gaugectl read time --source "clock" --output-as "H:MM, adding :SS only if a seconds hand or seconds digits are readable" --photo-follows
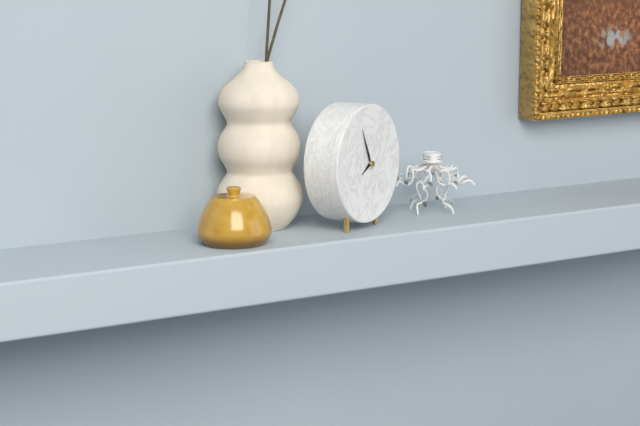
7:56
